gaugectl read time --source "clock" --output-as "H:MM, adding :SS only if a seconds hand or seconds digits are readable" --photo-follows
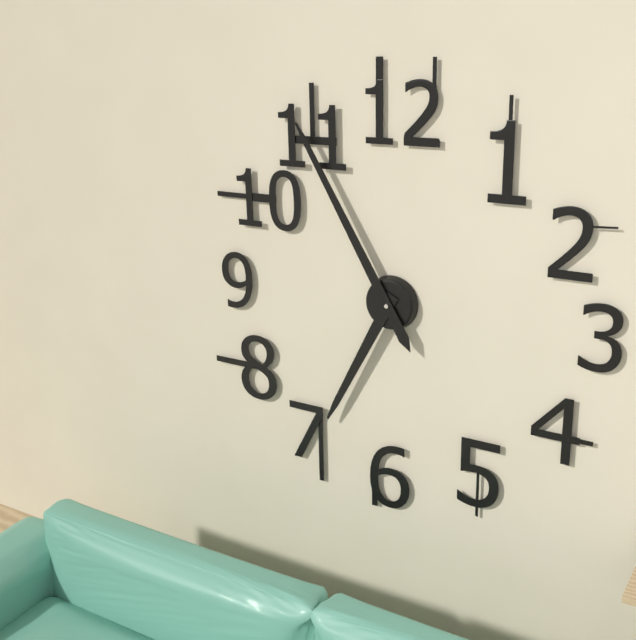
6:55
